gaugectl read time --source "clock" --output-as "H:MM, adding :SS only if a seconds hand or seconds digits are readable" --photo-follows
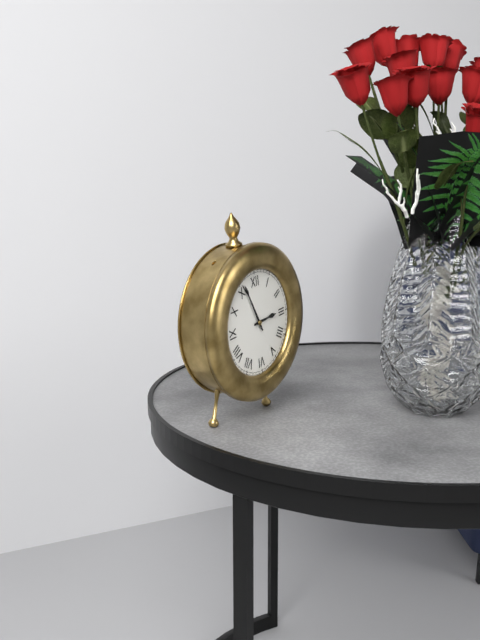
2:56
